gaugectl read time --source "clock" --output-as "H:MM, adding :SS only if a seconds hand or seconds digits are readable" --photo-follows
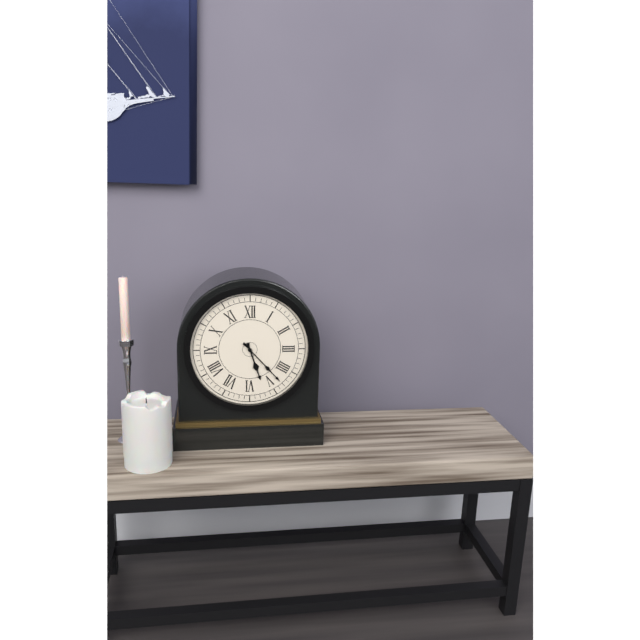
5:23
